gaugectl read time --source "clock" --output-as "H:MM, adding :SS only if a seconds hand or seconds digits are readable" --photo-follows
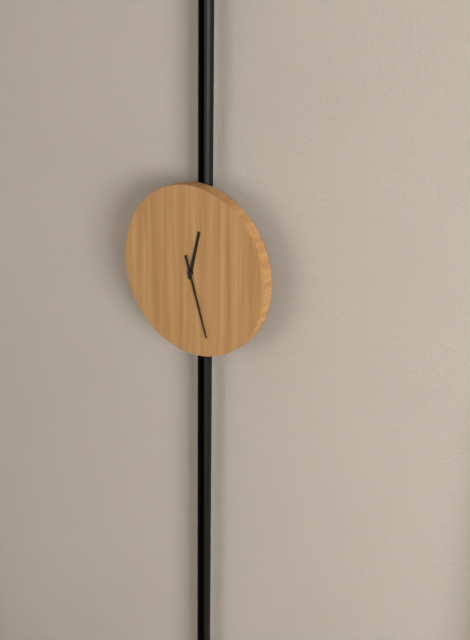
12:27
